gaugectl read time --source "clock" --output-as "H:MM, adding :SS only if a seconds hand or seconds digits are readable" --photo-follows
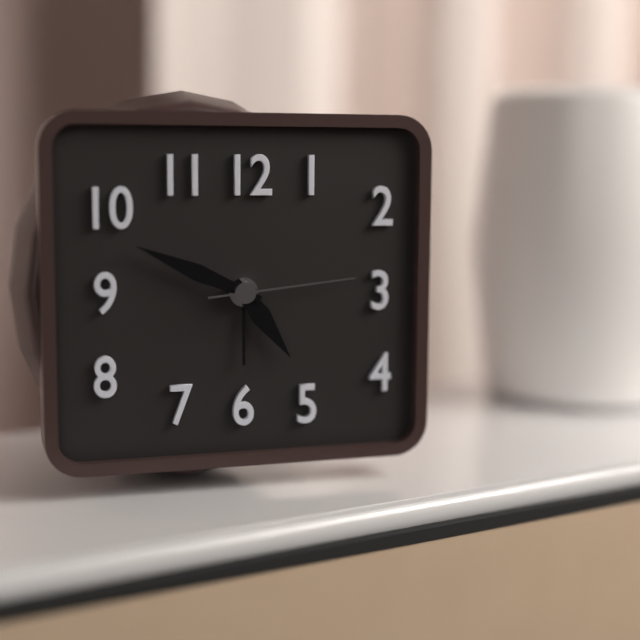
4:49:14
